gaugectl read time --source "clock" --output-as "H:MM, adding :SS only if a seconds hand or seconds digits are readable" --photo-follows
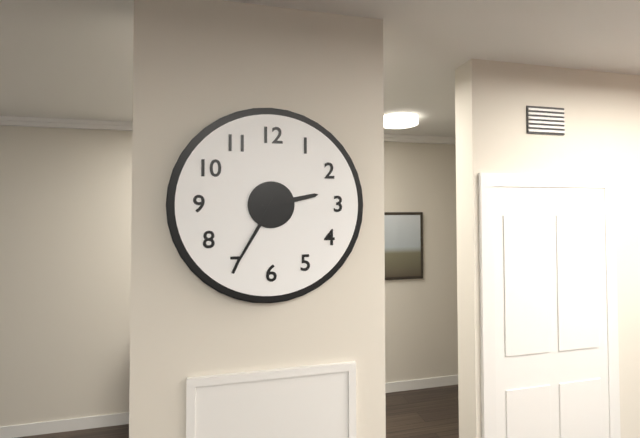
2:35
